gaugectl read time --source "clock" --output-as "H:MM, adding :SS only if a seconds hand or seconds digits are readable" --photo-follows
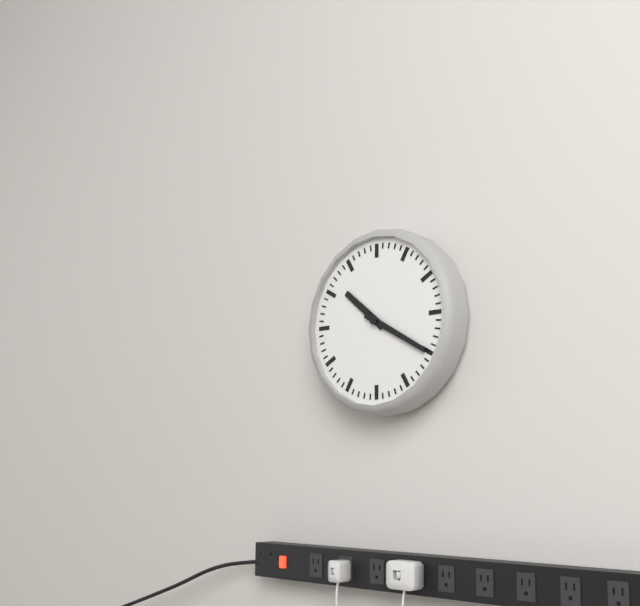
10:20
